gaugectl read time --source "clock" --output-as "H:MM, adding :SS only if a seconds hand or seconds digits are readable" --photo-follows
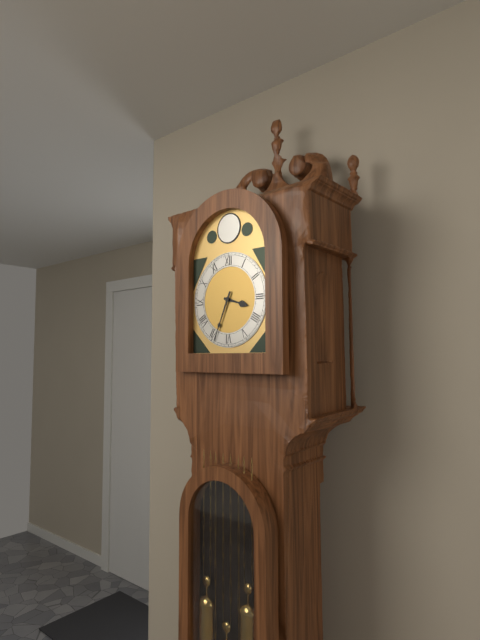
3:34
